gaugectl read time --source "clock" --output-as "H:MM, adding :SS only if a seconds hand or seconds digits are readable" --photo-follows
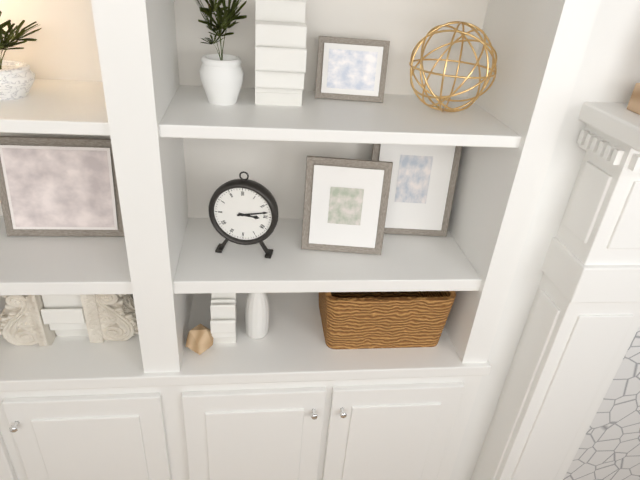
3:13
